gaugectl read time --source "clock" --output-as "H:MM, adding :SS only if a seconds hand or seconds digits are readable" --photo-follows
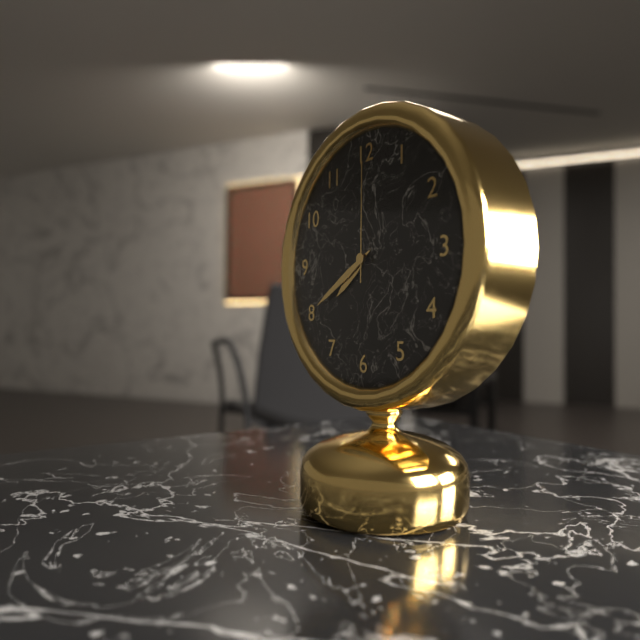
7:40:00
